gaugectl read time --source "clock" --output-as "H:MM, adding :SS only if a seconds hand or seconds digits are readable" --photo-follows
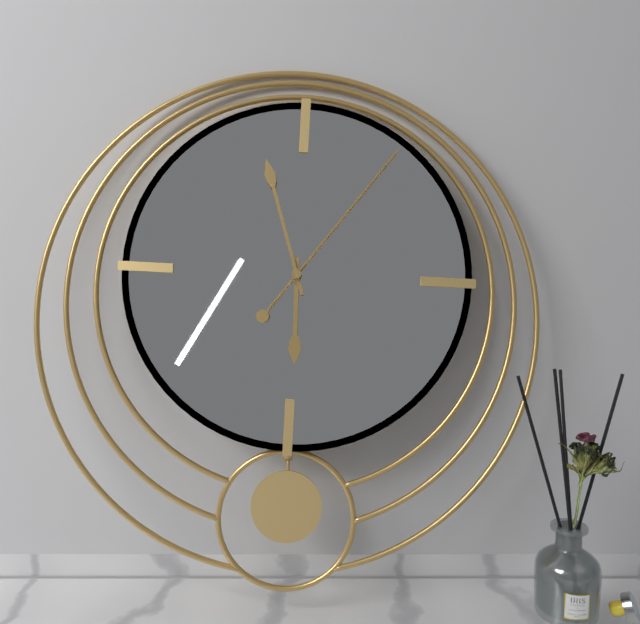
5:57:06
